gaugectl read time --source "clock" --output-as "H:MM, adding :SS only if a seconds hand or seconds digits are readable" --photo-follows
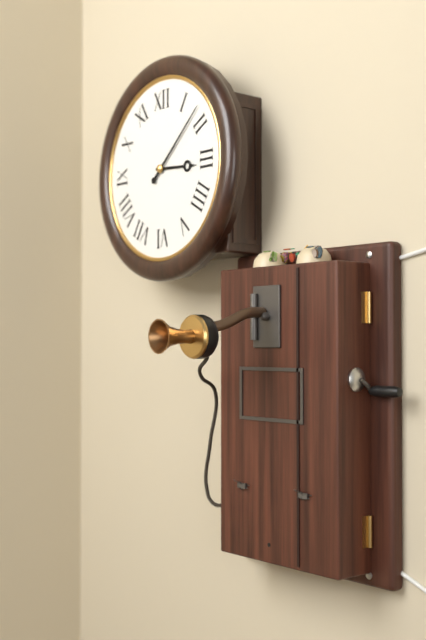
3:08
